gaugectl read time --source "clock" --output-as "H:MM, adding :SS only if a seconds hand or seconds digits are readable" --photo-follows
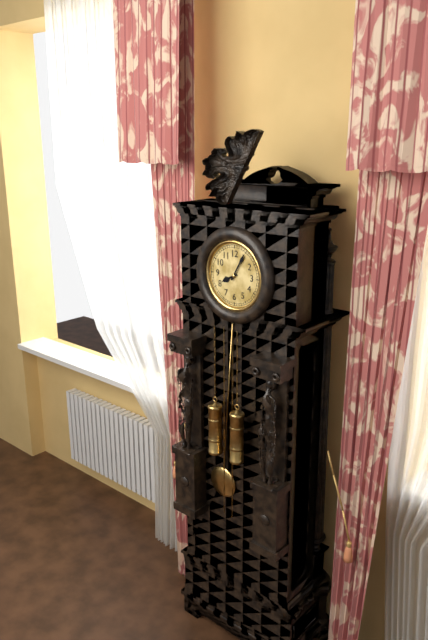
8:05
